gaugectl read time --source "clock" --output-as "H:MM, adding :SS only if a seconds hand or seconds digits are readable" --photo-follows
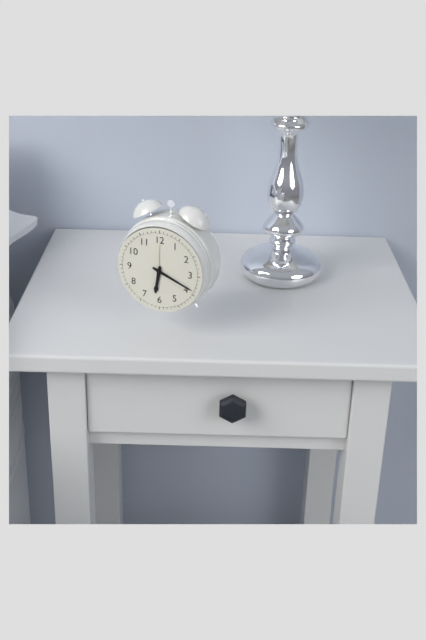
6:19
